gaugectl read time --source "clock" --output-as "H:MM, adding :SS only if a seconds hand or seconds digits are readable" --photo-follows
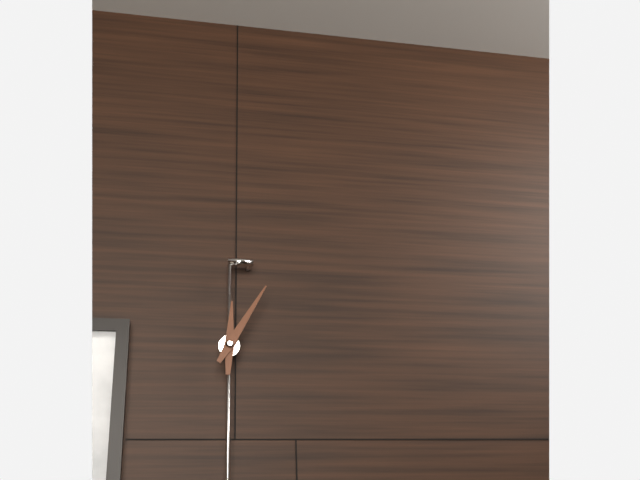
12:05
